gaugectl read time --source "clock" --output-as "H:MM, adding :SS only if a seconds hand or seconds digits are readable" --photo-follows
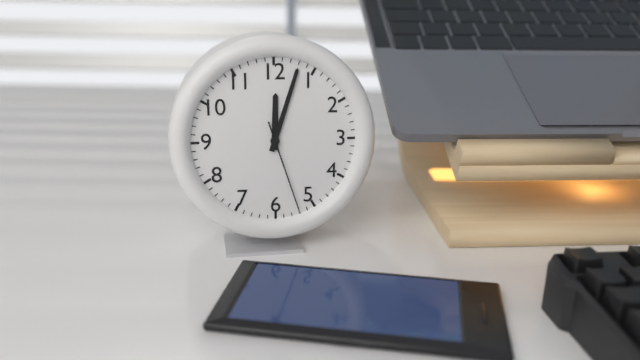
12:03:27
